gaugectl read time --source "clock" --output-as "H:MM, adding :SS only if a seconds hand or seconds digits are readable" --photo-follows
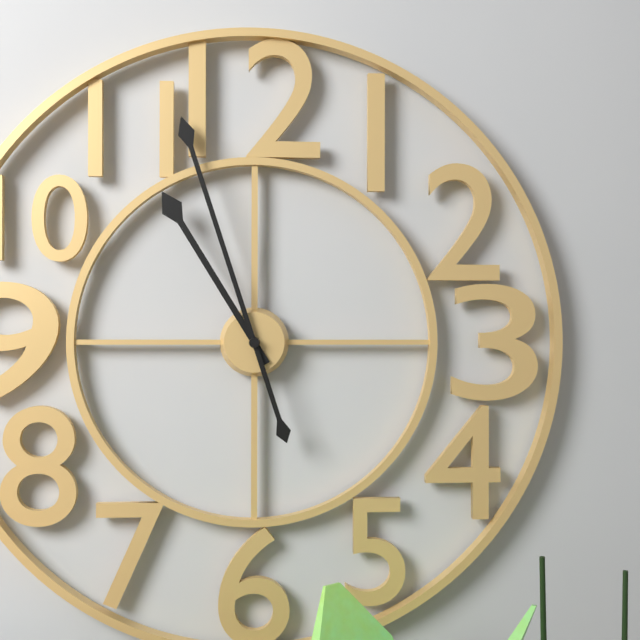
10:57
